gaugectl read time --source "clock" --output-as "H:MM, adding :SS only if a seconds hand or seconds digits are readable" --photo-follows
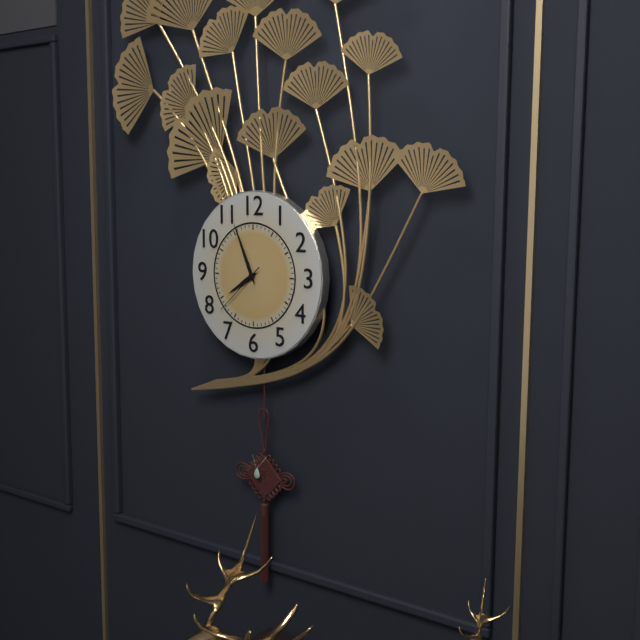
7:56:38
